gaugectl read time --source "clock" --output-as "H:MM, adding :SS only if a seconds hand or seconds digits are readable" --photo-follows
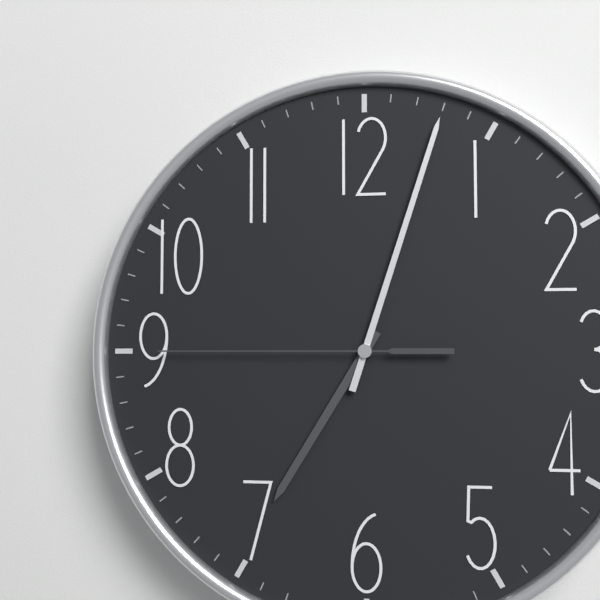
7:03:45
